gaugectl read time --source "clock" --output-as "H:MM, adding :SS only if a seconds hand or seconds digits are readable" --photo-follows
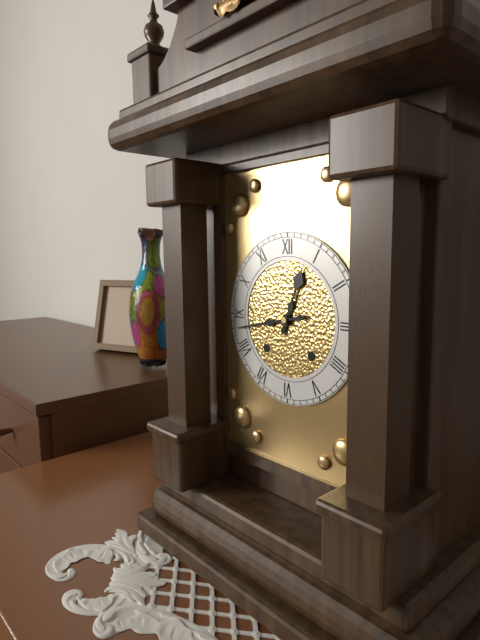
12:43
